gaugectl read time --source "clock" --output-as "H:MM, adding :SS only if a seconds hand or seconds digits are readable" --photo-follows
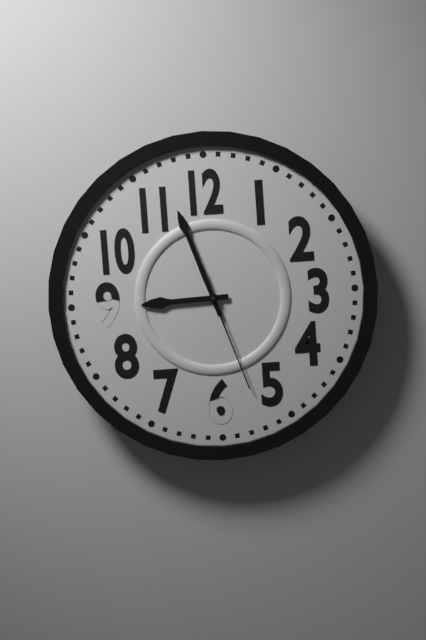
8:57:27
